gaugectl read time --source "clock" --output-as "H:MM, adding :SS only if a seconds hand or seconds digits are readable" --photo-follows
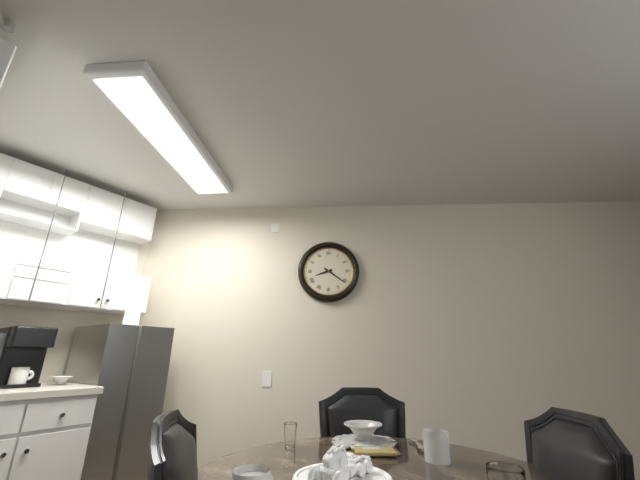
8:21
